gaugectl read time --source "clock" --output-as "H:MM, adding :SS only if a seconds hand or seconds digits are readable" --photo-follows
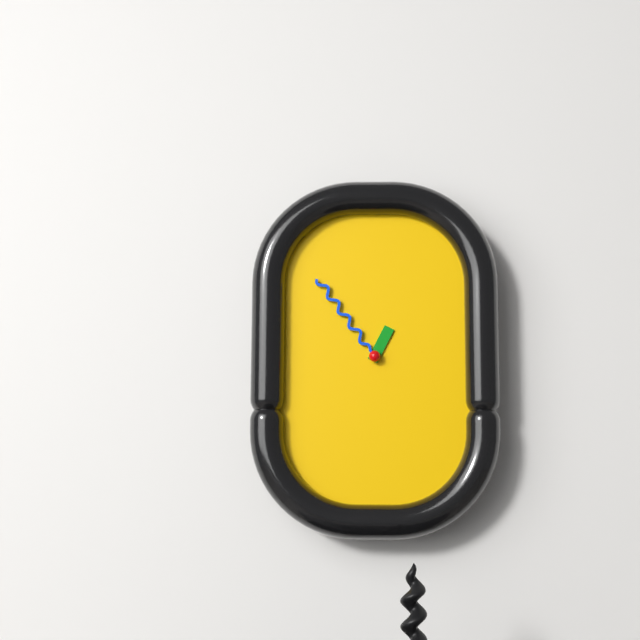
12:54
